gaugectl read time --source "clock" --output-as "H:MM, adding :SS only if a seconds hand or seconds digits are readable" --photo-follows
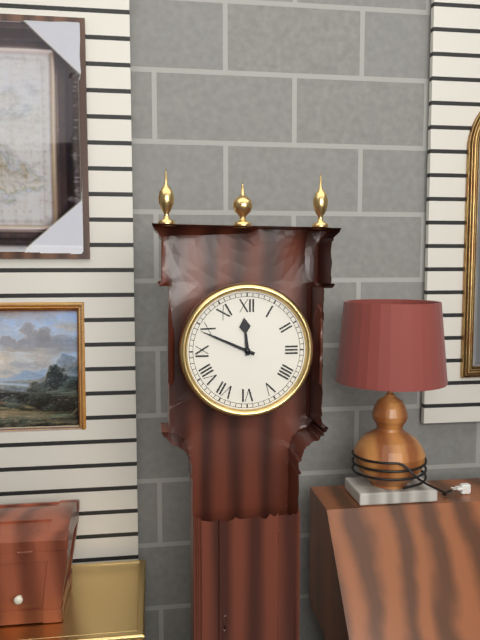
11:49
